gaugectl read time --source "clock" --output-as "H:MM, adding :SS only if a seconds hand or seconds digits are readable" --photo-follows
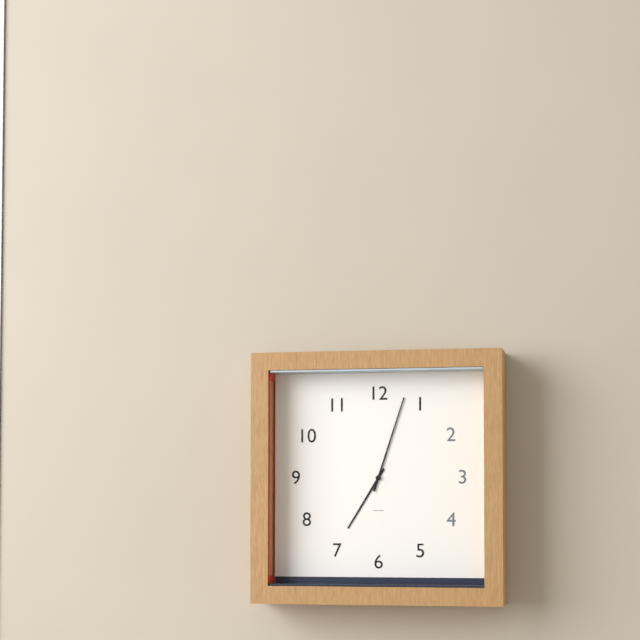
7:03
